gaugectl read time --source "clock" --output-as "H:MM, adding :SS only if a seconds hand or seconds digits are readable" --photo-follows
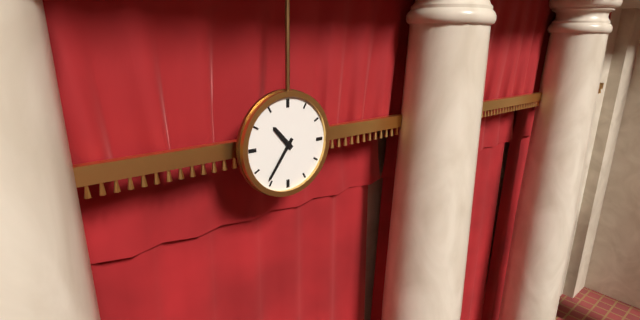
10:36
